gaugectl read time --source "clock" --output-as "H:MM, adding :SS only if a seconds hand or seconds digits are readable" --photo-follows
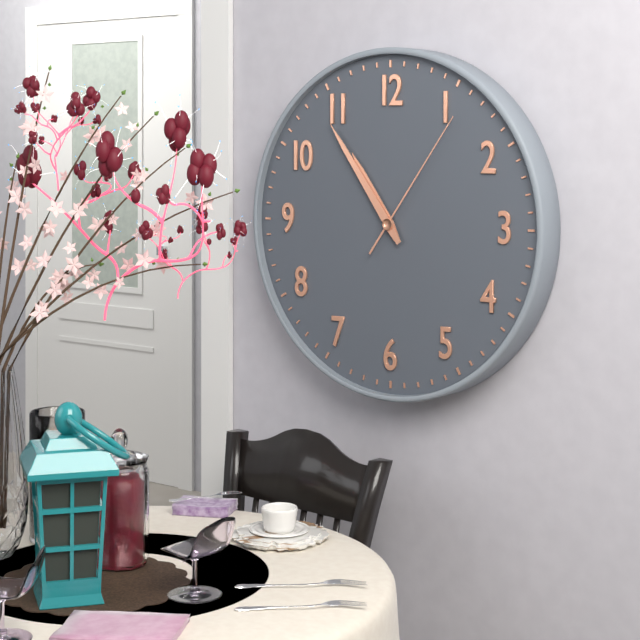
10:54:06
